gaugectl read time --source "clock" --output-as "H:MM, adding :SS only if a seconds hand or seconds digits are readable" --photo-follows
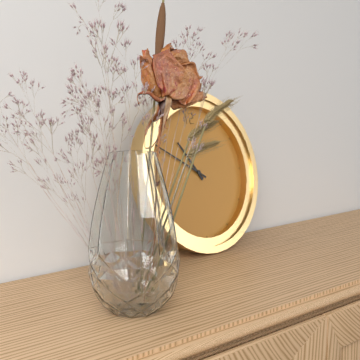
10:50
